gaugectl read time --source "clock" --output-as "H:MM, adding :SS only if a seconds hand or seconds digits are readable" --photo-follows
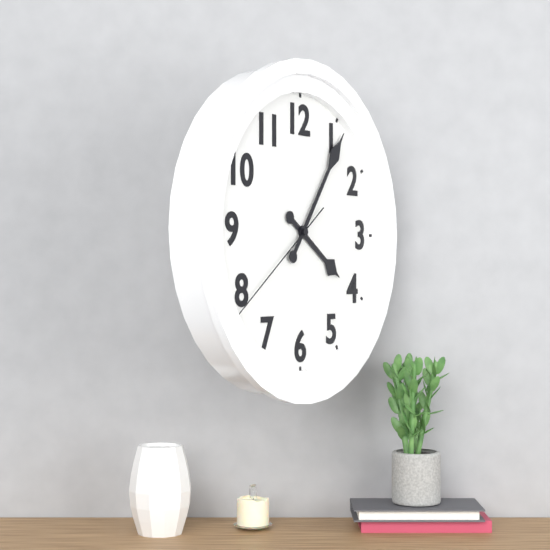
4:06:39
